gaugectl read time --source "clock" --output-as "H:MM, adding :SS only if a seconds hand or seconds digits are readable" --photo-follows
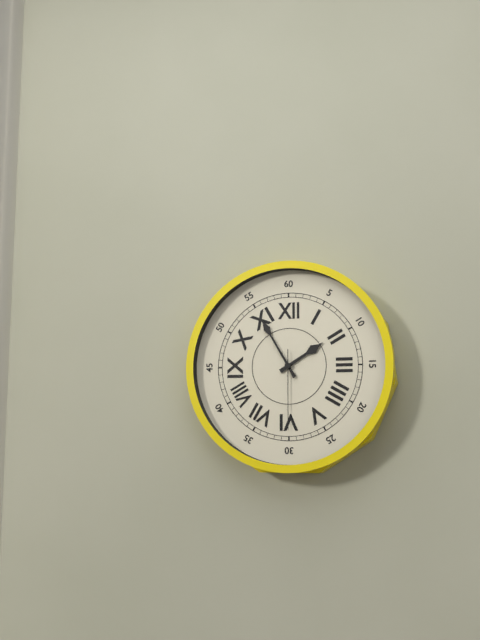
1:55:30
